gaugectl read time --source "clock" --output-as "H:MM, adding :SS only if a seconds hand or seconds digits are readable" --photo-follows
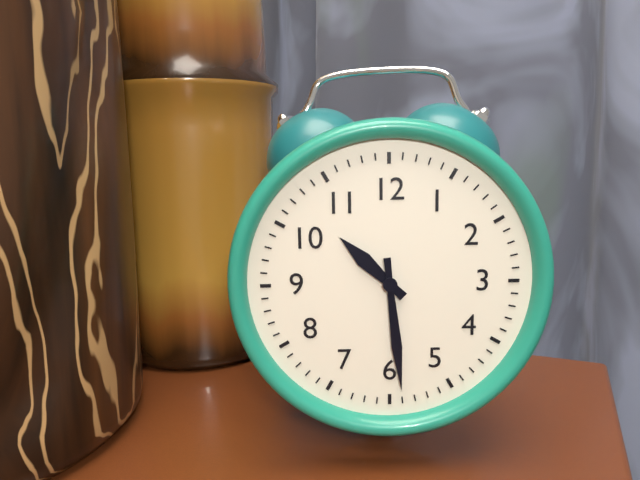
10:29
